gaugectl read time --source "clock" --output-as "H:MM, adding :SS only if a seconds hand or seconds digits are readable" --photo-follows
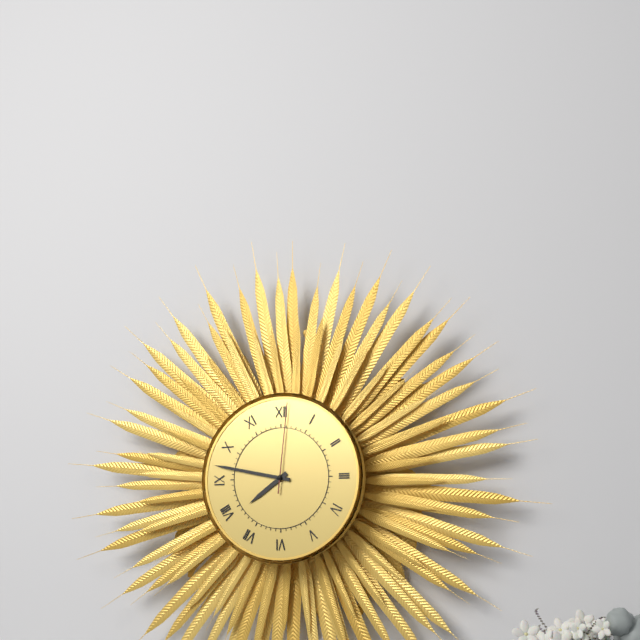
7:47:01
